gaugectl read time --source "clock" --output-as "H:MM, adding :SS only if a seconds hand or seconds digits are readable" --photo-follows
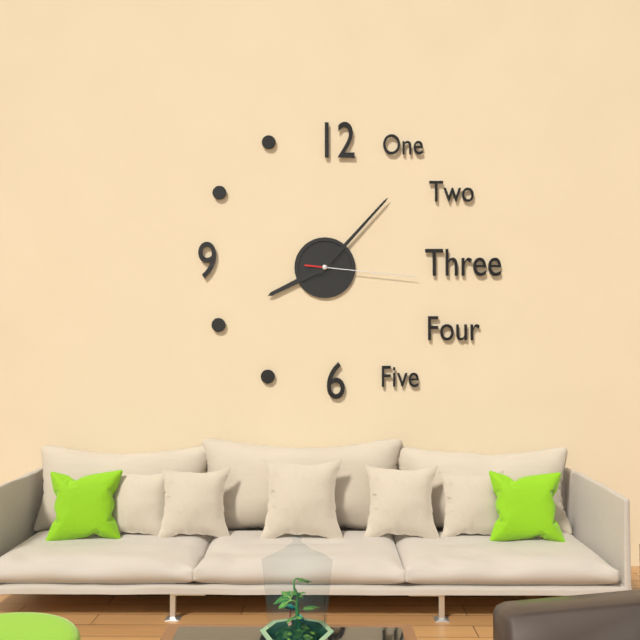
8:07:16
